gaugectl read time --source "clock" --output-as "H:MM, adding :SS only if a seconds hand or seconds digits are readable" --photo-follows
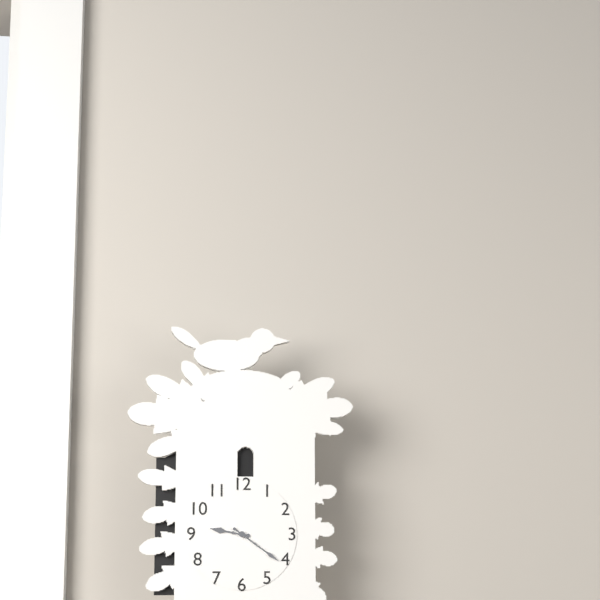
9:21
